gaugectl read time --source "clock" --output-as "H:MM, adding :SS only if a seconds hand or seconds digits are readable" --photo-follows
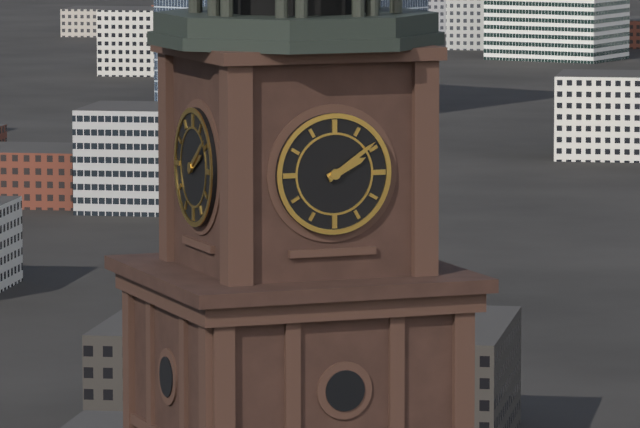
2:09
